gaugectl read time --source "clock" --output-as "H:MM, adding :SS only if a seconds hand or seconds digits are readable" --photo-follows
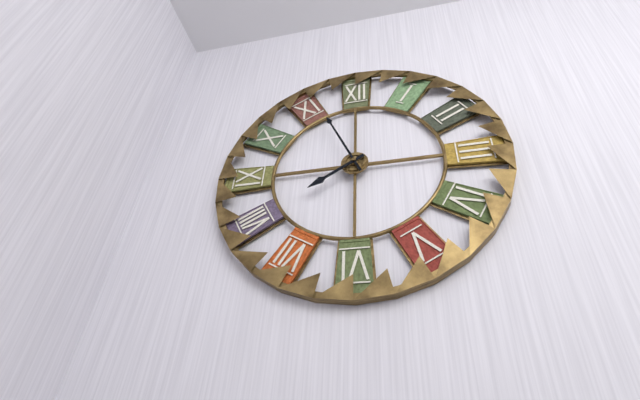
7:56
